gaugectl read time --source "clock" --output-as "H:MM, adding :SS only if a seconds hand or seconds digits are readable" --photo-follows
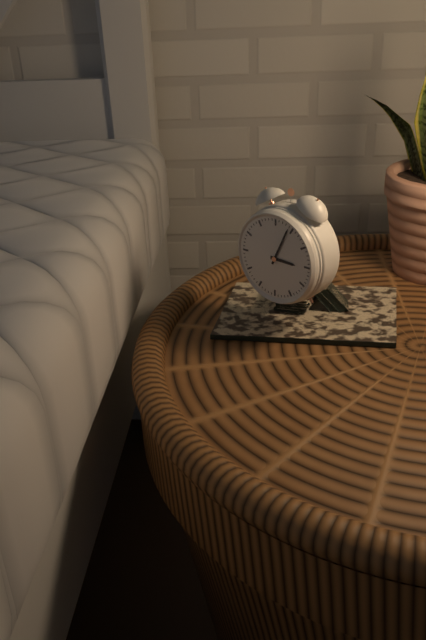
3:04
